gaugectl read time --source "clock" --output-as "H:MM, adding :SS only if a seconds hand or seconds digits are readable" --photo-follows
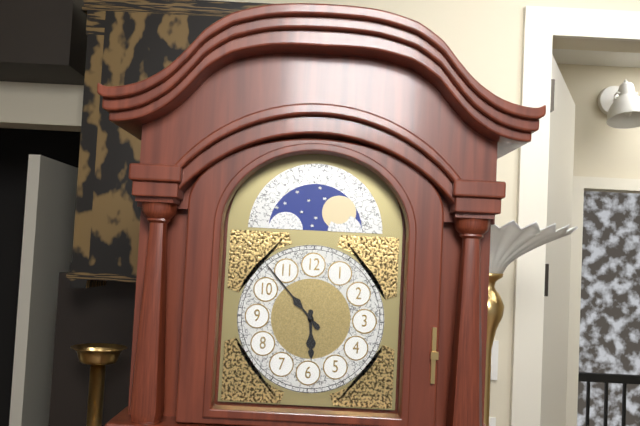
5:53
